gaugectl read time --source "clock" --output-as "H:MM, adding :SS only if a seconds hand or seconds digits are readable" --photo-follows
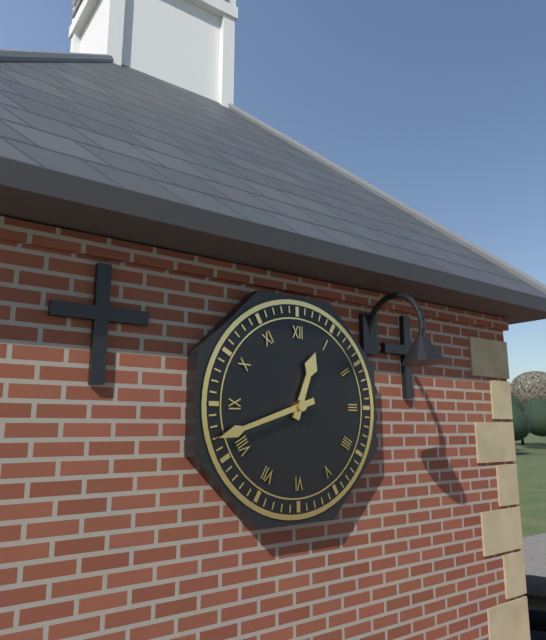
12:42
